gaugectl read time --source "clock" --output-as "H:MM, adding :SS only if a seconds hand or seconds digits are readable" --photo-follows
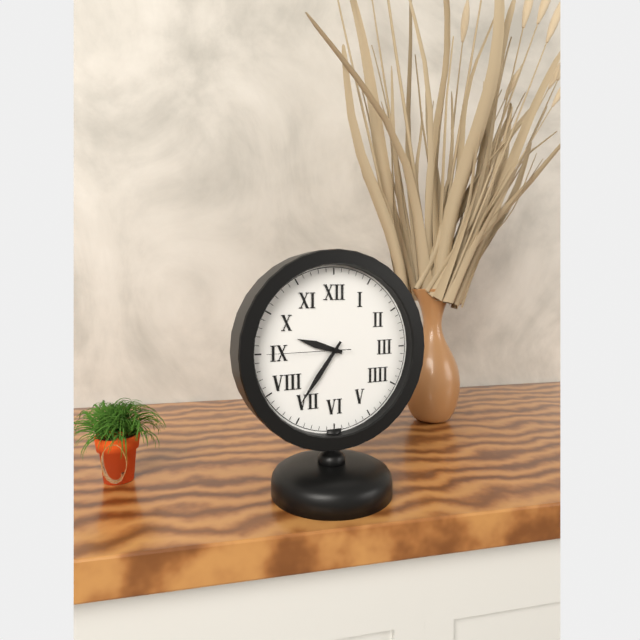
9:36:45
